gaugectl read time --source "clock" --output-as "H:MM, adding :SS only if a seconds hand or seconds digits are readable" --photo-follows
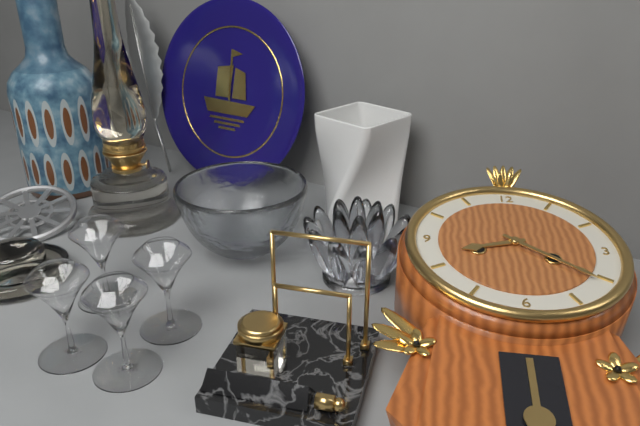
8:21
